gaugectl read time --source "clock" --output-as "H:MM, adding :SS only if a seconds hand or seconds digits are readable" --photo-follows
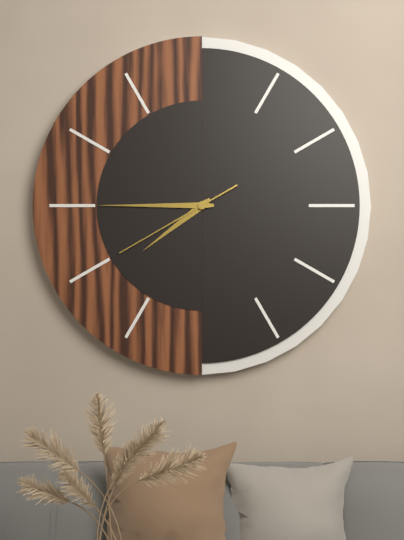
7:45:40
